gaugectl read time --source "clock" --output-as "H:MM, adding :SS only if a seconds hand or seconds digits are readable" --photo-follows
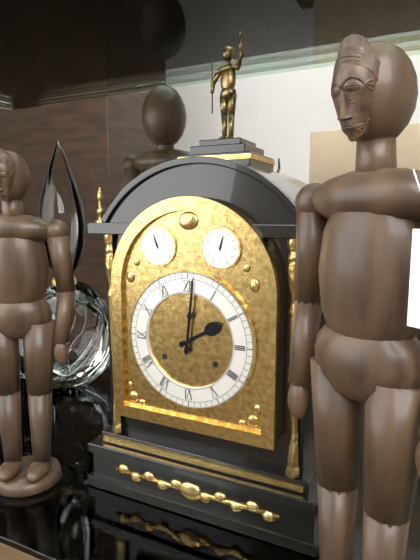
2:01
